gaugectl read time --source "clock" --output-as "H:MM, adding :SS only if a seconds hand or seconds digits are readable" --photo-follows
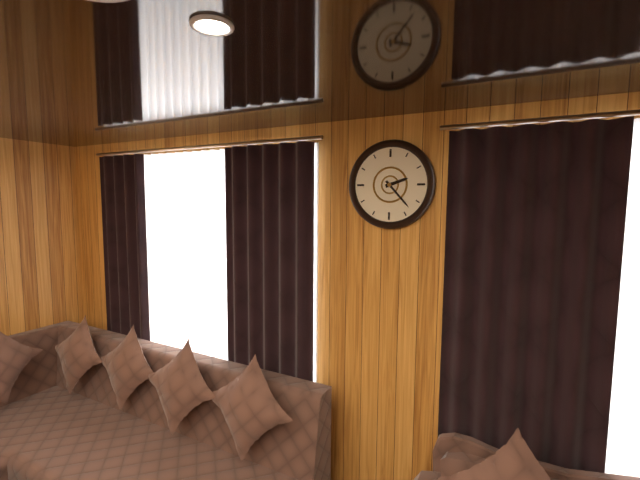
2:23
